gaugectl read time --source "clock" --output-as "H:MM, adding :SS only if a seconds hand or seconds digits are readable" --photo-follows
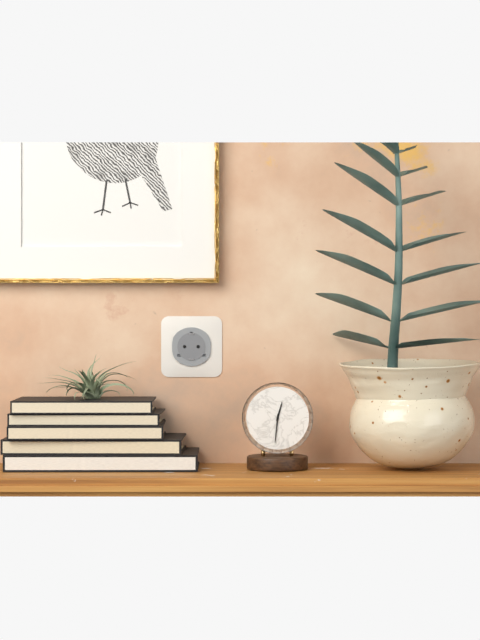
12:31
